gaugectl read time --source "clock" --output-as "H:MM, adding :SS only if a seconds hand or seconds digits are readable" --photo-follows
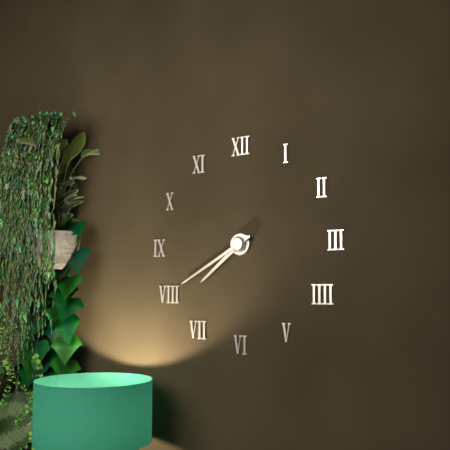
7:40
